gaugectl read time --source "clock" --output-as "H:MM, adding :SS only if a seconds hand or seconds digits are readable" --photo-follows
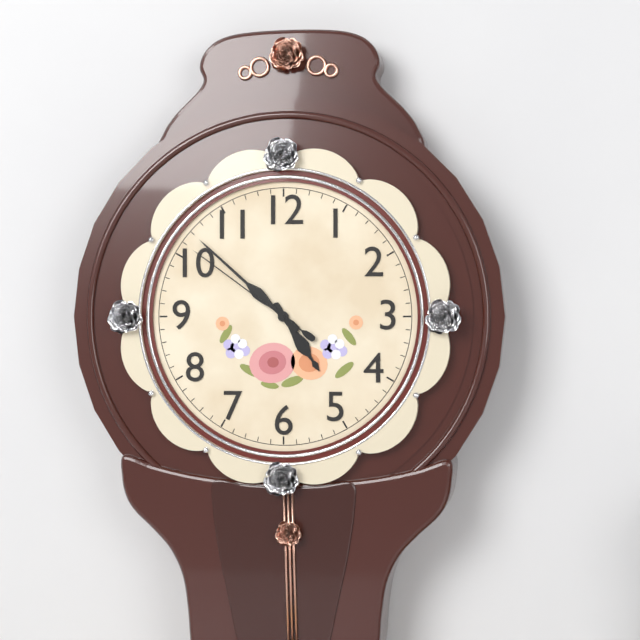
4:52:51
